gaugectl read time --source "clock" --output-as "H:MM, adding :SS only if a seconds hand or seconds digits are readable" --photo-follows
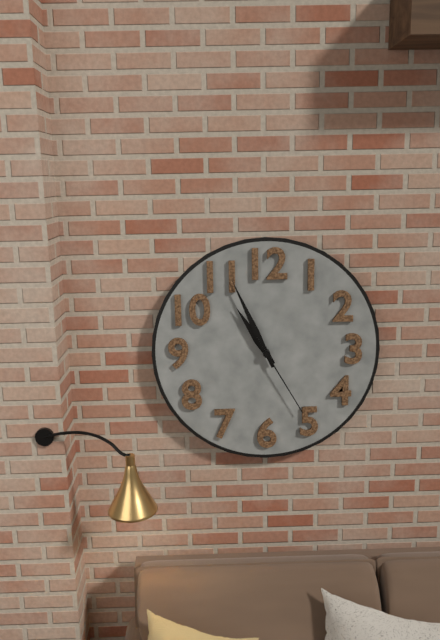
10:56:25
